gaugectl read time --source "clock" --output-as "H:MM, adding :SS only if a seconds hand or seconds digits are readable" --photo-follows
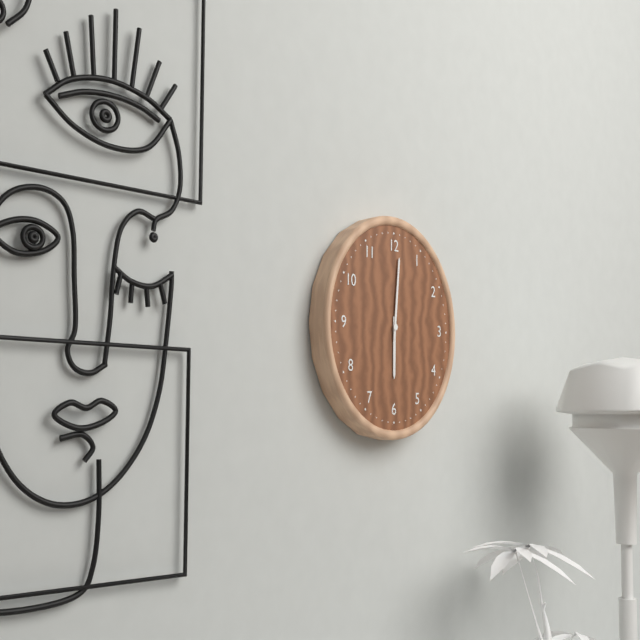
6:01
